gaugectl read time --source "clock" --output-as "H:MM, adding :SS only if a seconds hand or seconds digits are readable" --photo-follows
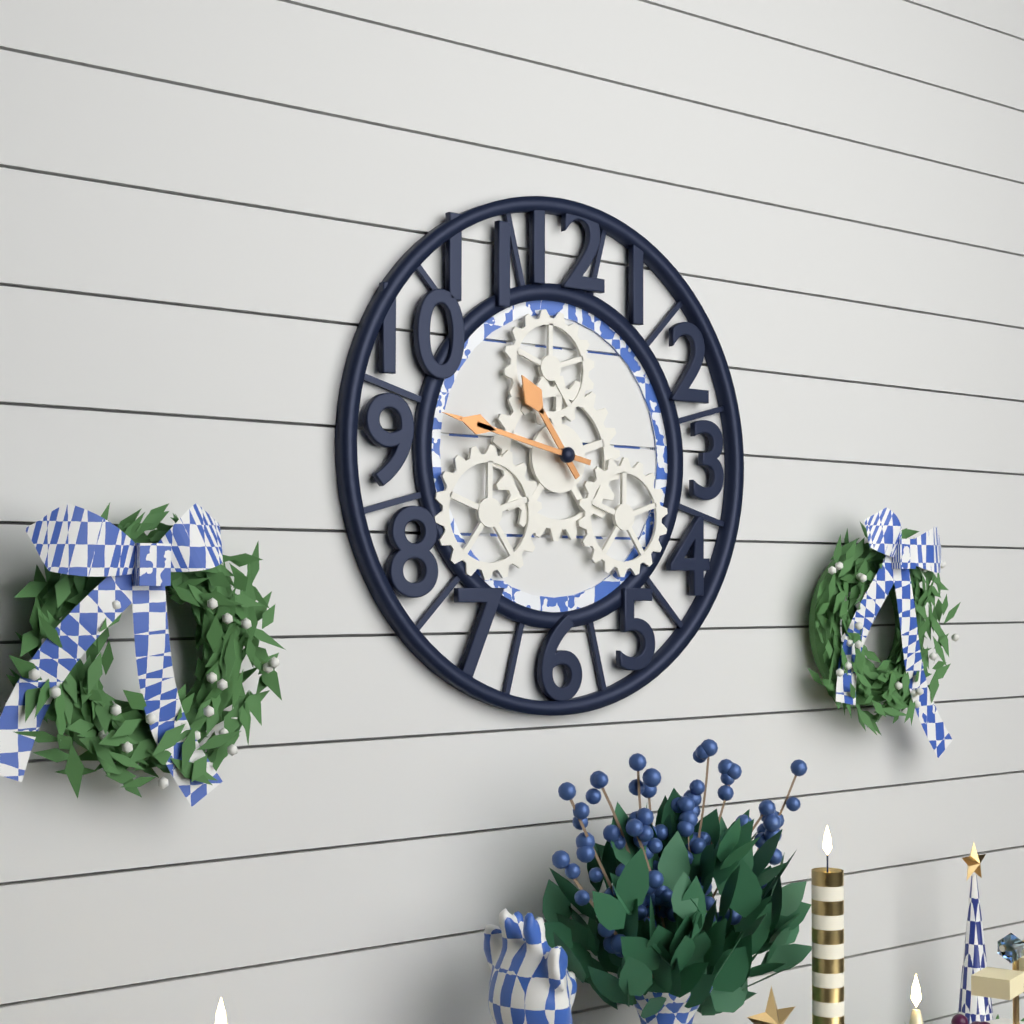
10:47
